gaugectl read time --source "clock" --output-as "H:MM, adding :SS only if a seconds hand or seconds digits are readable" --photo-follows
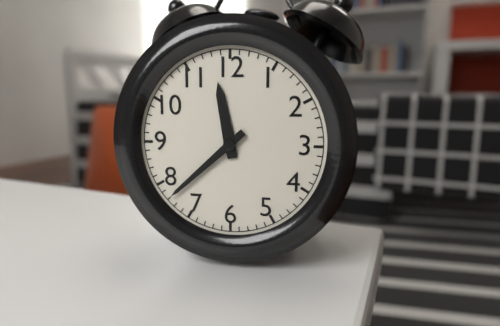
11:38
